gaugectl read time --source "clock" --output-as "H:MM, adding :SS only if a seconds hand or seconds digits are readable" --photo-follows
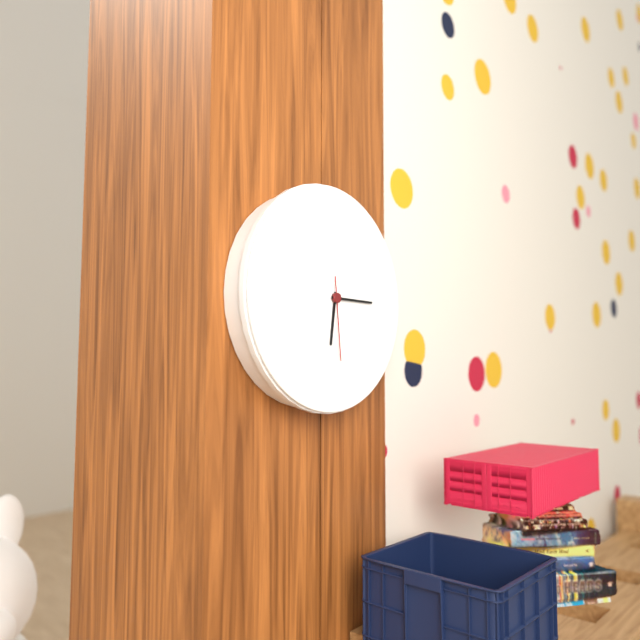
6:15:29
